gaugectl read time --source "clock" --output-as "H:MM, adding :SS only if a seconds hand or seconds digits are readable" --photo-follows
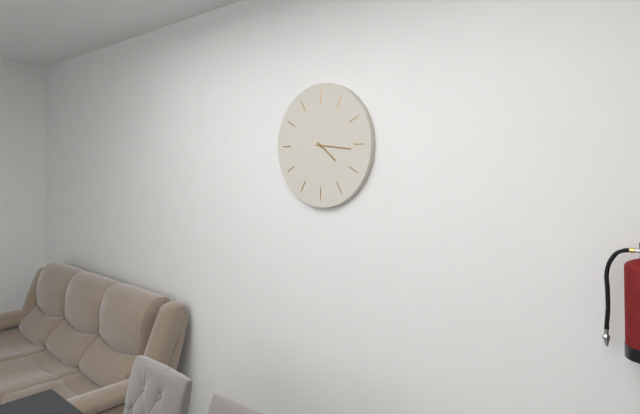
4:16
